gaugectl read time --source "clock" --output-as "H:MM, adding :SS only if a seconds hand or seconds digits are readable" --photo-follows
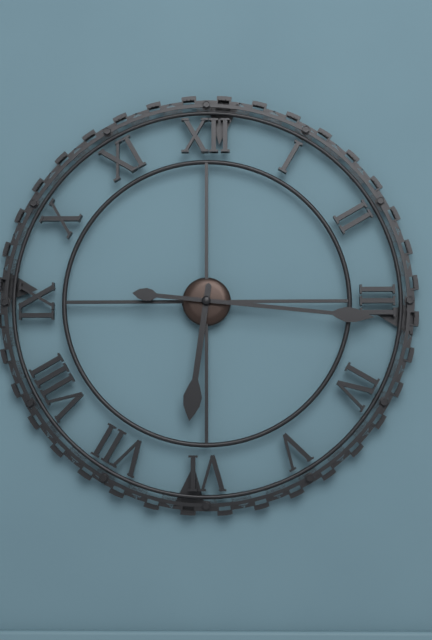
6:16
